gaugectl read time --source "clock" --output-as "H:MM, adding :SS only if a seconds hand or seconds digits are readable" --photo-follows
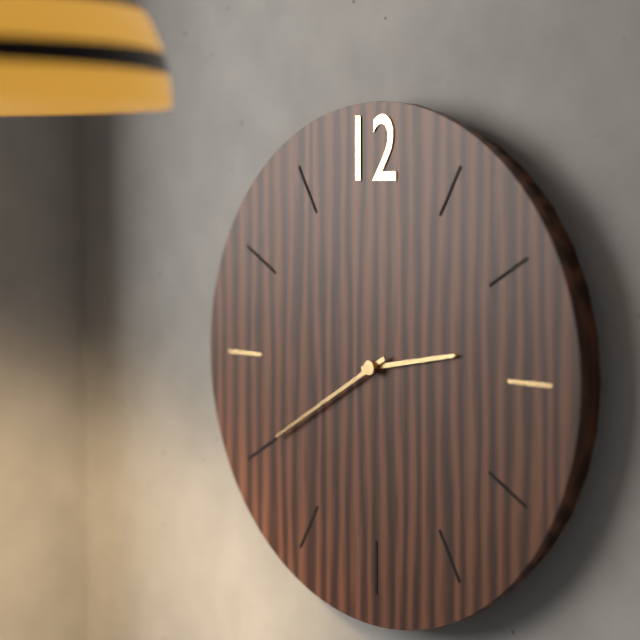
2:40
